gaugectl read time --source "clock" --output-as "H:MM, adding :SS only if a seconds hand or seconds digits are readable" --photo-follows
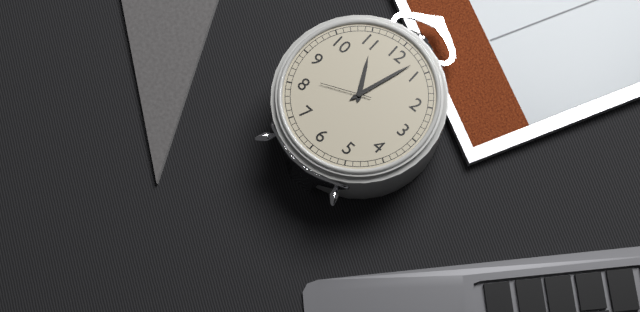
11:03:41
